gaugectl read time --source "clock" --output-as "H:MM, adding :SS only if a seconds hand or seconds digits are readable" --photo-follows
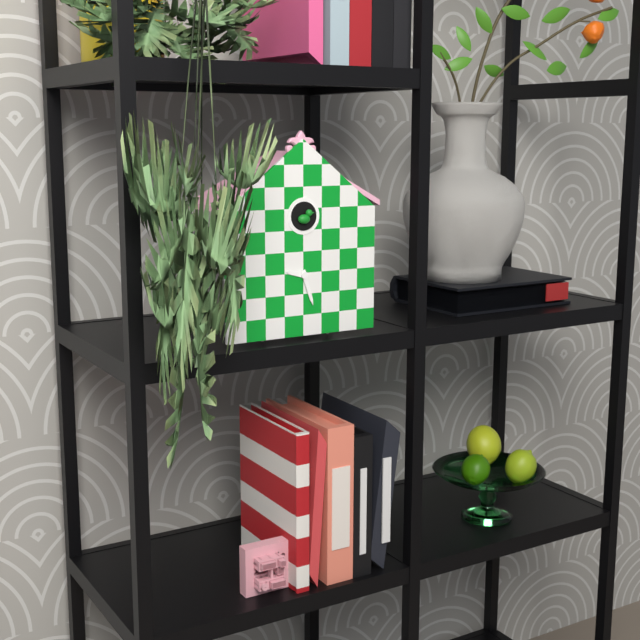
9:27
